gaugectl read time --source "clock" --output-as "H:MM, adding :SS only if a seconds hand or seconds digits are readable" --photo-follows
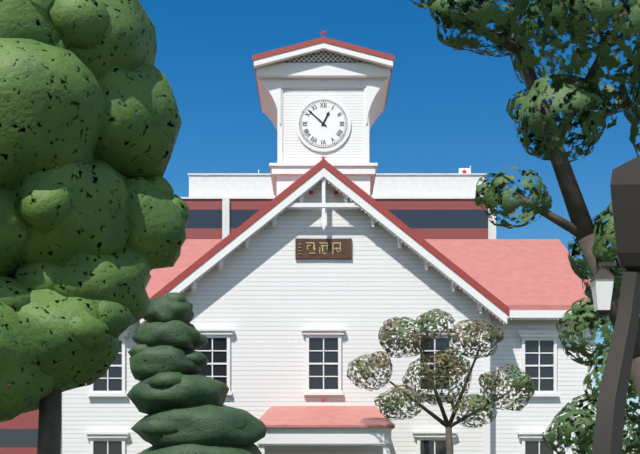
12:52
